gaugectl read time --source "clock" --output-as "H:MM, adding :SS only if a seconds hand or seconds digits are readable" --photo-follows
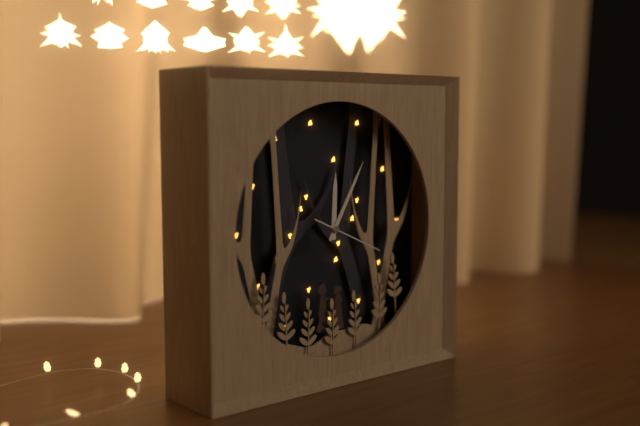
12:05:19
